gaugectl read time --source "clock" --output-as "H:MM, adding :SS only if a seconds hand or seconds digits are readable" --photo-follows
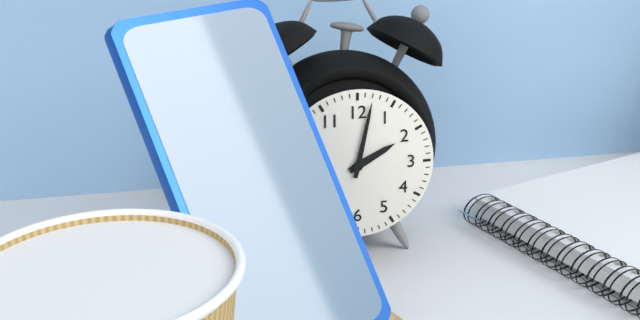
2:02
